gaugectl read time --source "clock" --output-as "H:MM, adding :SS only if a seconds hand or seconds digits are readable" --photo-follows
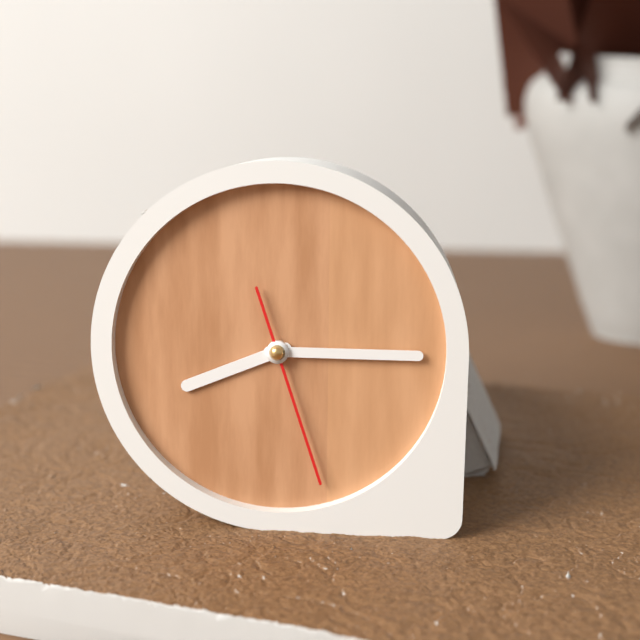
8:15:27
